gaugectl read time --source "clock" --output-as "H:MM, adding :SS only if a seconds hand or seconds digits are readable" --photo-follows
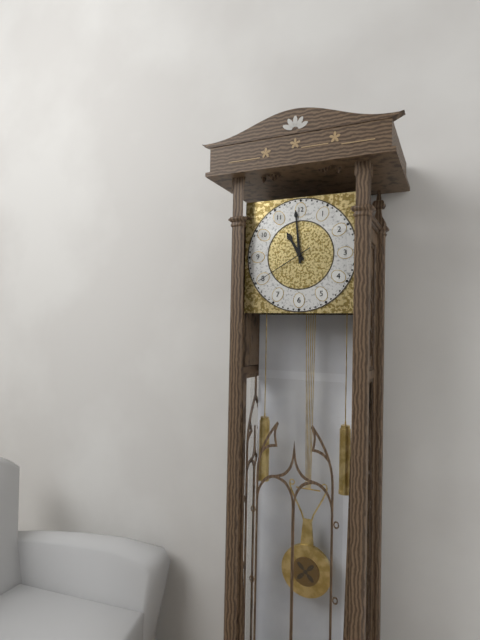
10:59:40
